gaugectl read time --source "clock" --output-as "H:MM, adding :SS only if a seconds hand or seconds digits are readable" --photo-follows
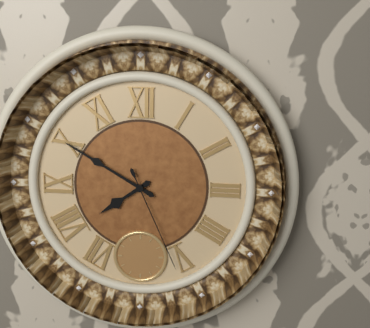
7:50:26
